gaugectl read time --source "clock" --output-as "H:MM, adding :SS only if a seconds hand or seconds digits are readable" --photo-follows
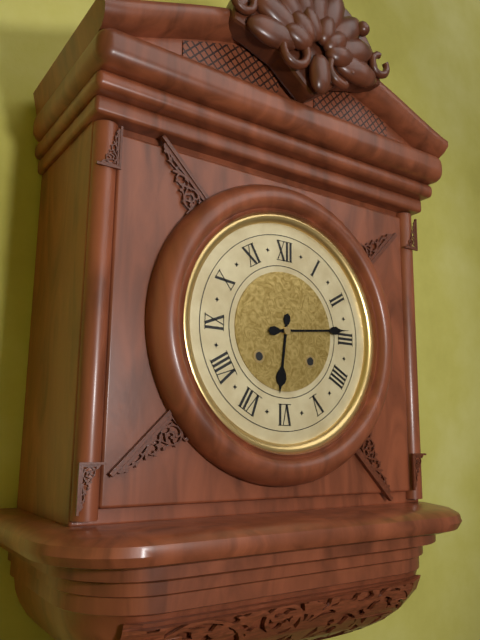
6:14
